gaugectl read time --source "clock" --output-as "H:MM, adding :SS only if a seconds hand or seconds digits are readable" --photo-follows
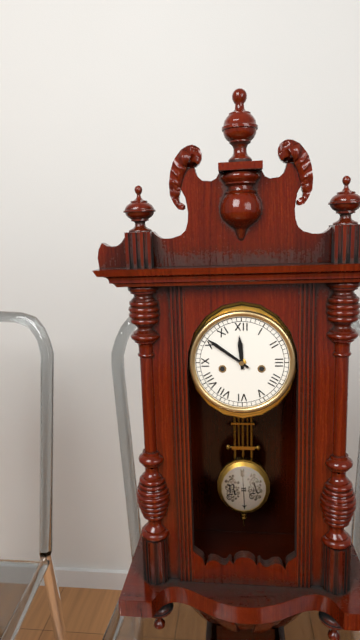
11:51
